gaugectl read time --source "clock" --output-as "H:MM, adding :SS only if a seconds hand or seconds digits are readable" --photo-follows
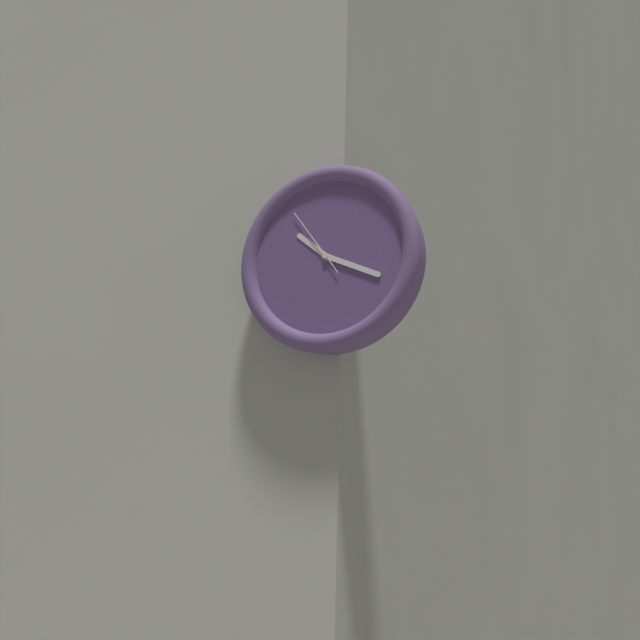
10:19:54
